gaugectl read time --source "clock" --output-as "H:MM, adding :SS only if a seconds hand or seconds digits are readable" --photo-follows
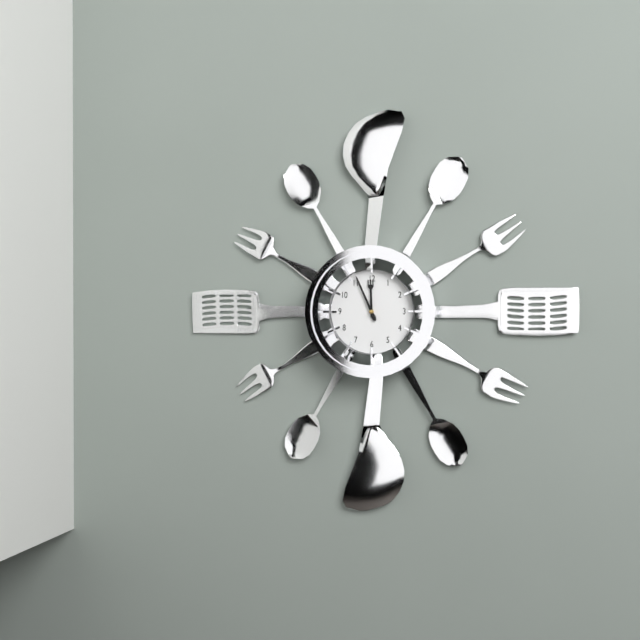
11:56
